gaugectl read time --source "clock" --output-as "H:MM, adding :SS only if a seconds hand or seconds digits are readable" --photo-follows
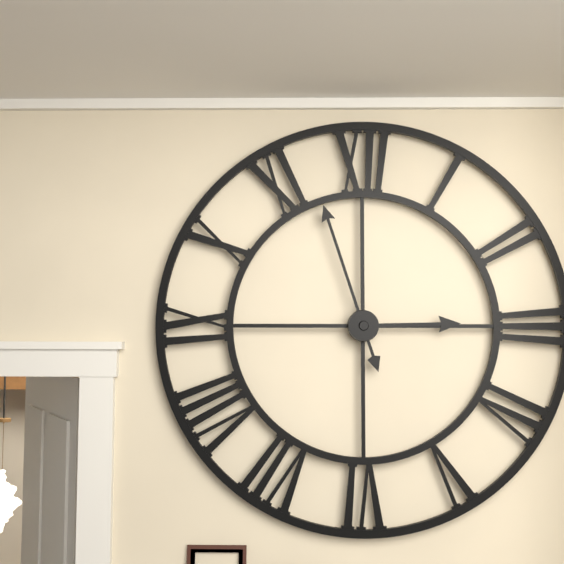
2:57
